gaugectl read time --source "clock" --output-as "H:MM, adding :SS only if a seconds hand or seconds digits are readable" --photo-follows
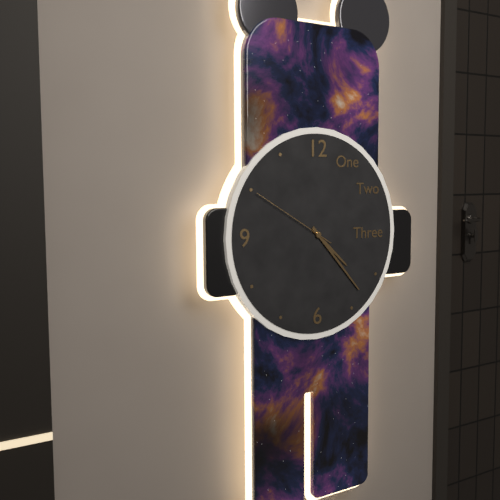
4:23:50
